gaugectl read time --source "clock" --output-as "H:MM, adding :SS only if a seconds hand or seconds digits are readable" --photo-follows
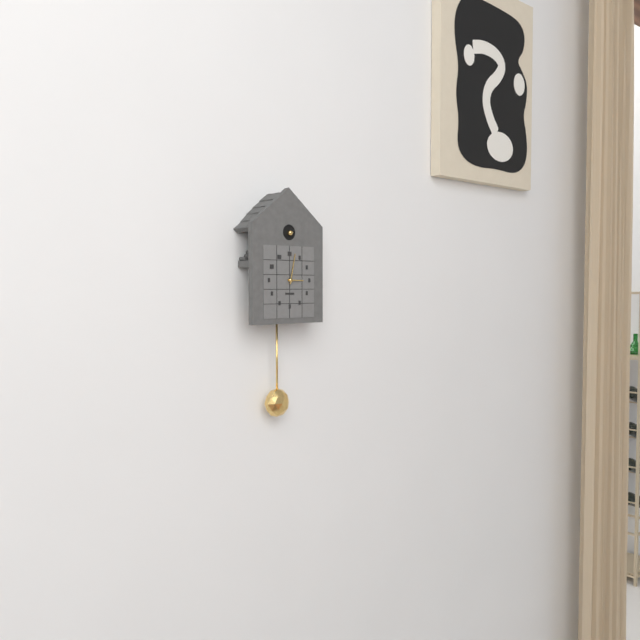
3:02
